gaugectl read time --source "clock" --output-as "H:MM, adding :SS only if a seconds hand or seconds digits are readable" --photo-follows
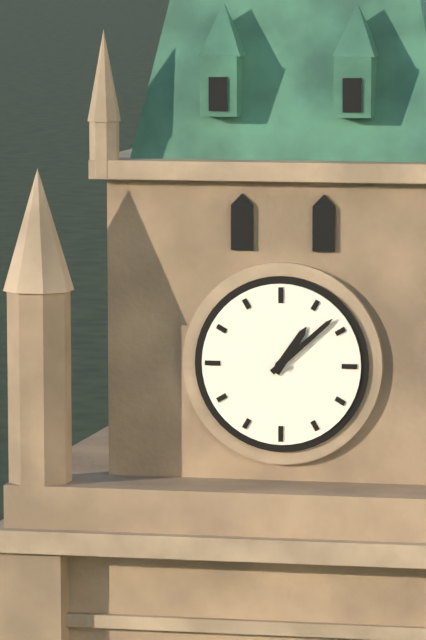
1:08
